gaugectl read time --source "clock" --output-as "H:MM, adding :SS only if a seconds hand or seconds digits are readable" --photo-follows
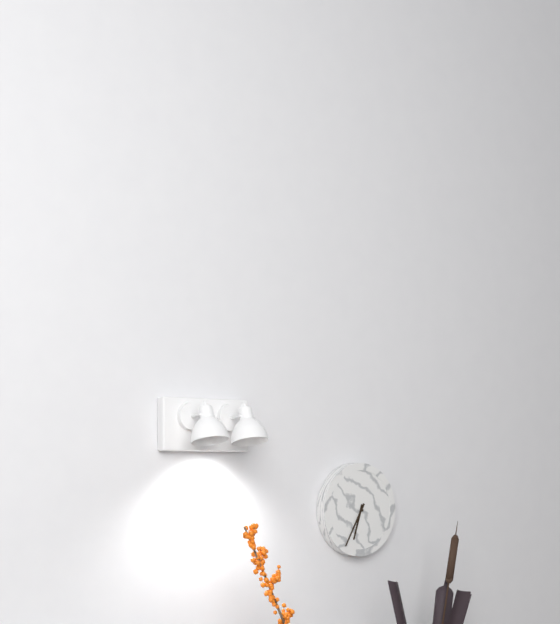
6:35
